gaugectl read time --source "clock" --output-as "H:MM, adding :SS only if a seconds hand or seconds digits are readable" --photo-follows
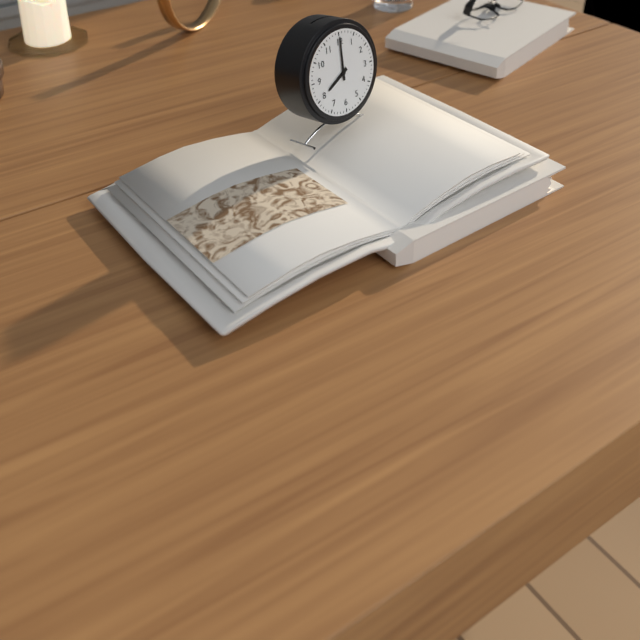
8:00
